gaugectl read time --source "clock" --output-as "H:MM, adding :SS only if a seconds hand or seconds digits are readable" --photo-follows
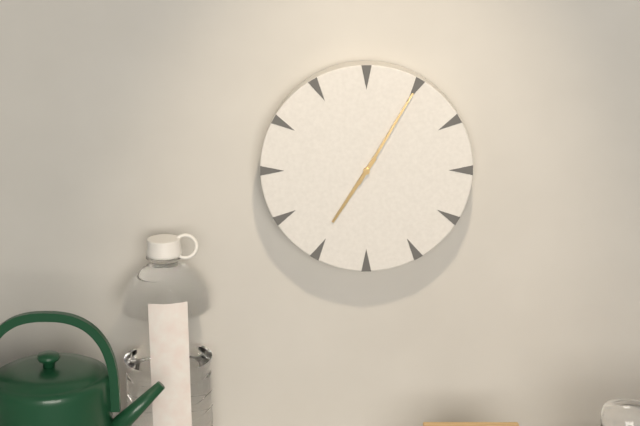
7:05
